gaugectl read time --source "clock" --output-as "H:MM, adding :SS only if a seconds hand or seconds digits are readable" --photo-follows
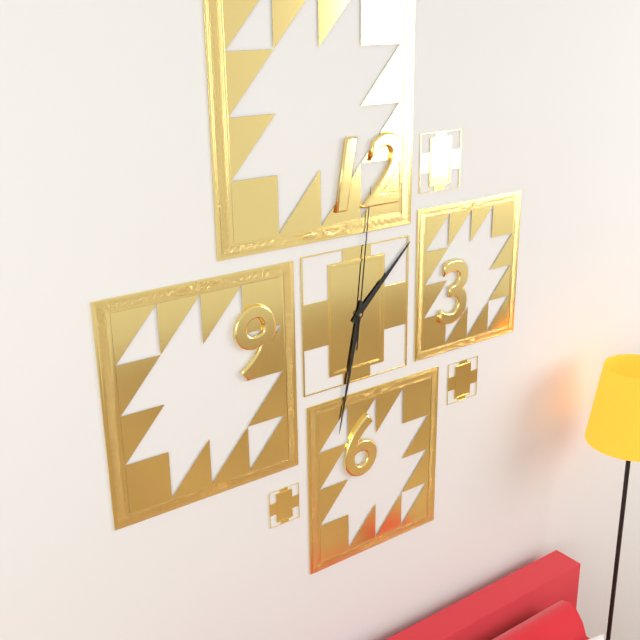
1:32:01
